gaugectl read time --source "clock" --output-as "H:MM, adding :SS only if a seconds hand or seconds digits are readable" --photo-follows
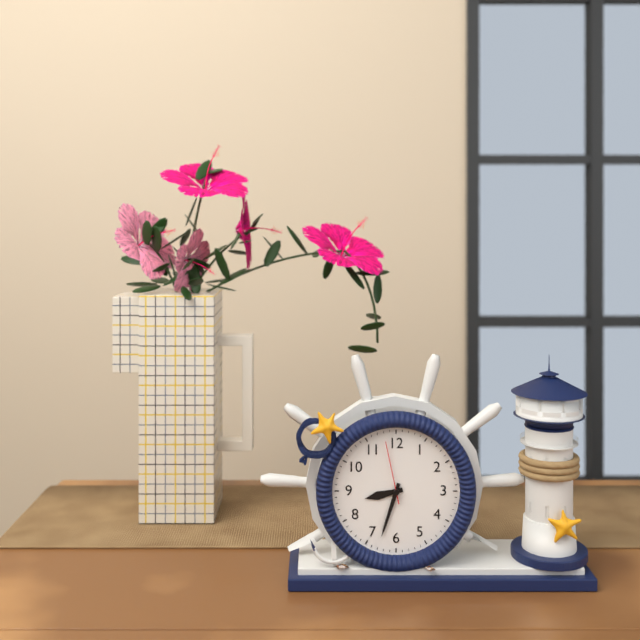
8:33:58
